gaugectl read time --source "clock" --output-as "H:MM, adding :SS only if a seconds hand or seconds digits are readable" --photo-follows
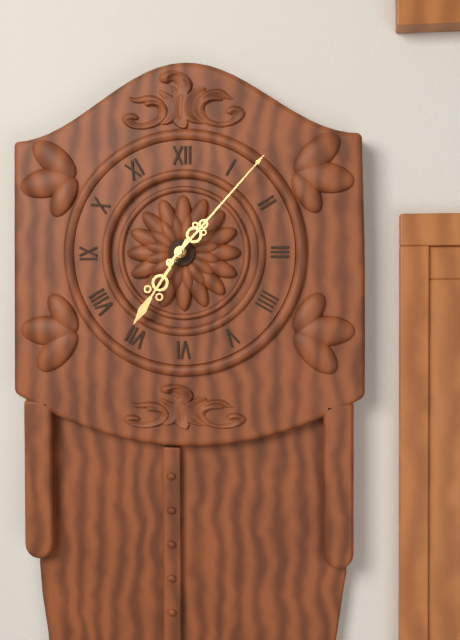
7:07
